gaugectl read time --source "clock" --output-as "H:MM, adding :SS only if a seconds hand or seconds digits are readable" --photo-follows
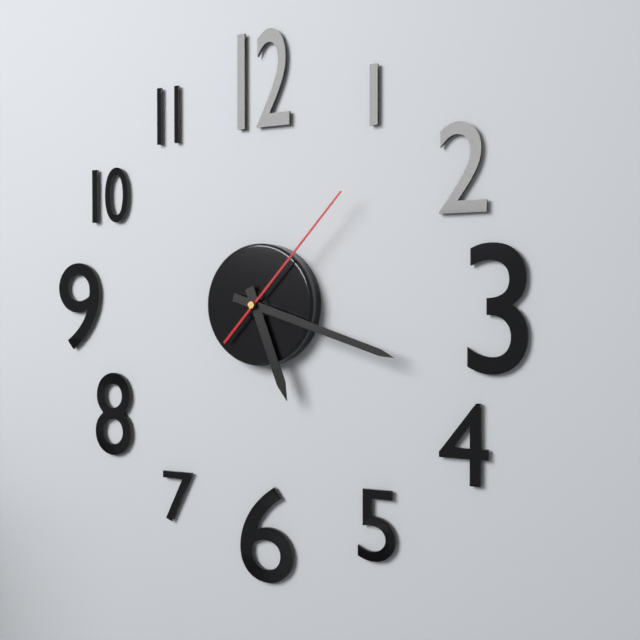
5:18:07
